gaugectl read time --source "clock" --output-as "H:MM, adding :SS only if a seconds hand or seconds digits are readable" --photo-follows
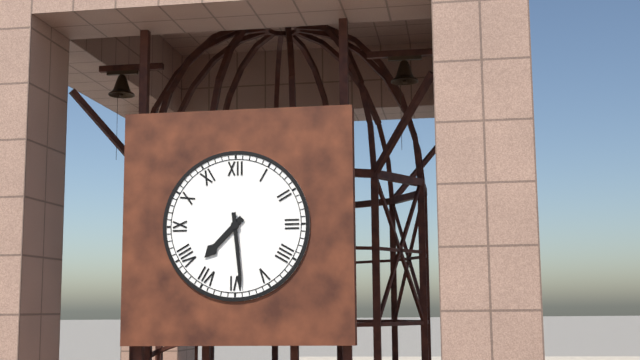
7:29
